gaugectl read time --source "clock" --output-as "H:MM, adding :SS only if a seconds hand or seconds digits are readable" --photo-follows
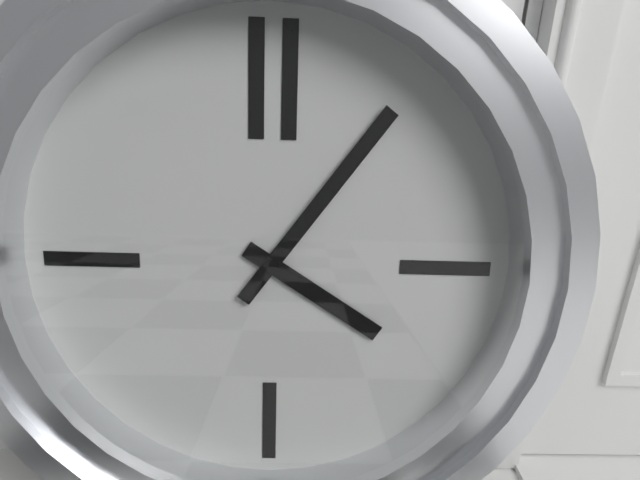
4:06
